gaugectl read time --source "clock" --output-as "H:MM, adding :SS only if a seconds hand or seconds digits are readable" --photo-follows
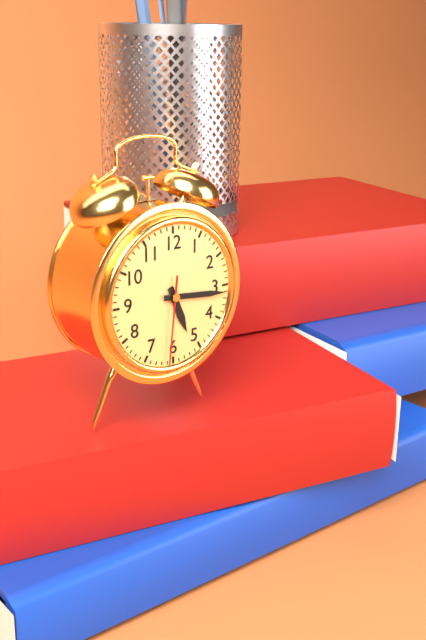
5:16:31
